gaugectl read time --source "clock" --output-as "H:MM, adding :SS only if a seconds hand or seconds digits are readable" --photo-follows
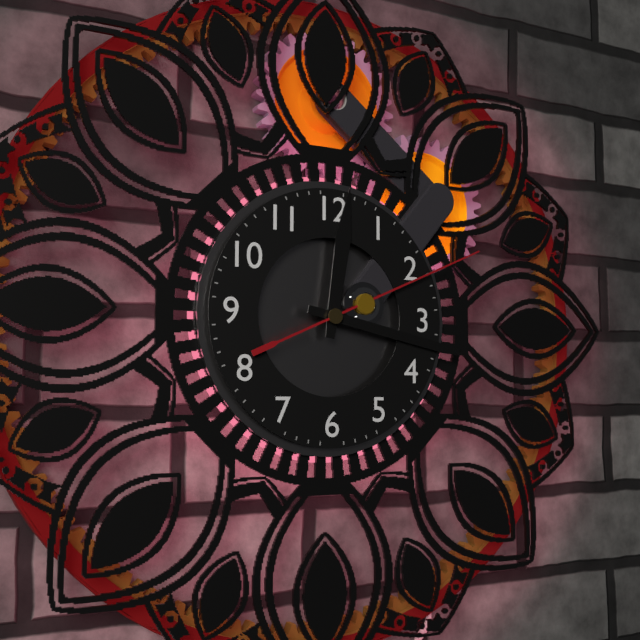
12:17:11
